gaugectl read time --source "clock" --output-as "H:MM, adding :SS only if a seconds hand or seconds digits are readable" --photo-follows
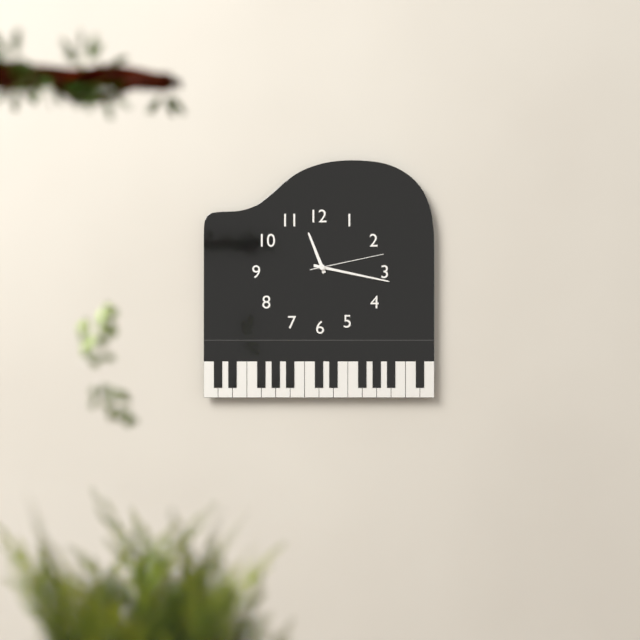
11:17:13
